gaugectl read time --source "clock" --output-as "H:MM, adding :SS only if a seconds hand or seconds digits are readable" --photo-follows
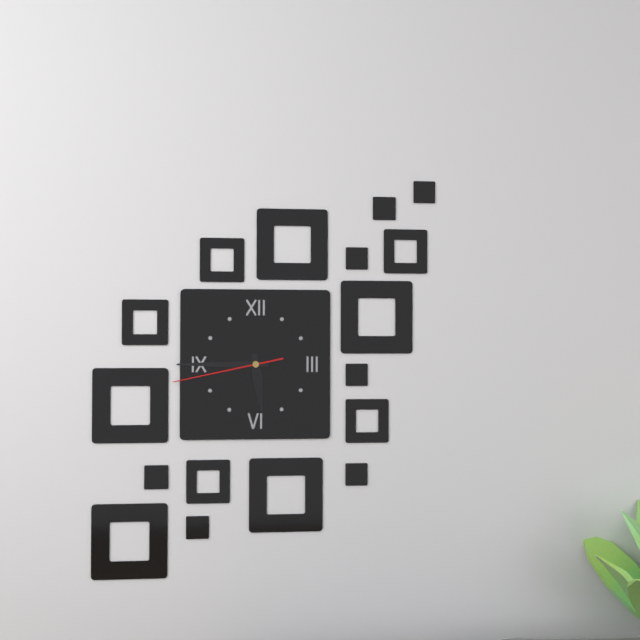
5:45:43
